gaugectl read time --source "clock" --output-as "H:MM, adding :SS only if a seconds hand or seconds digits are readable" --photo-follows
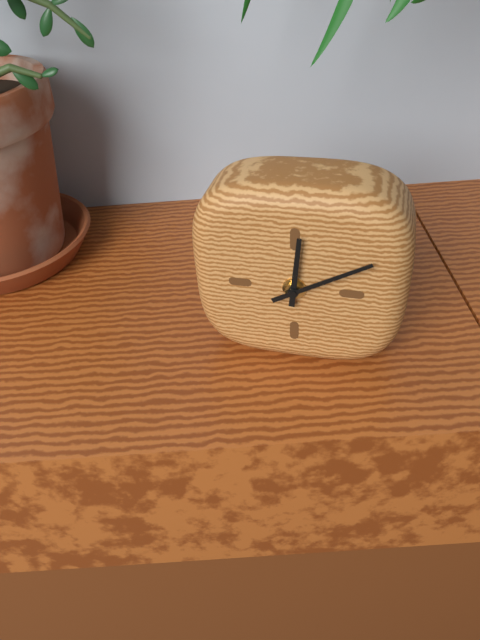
12:10
